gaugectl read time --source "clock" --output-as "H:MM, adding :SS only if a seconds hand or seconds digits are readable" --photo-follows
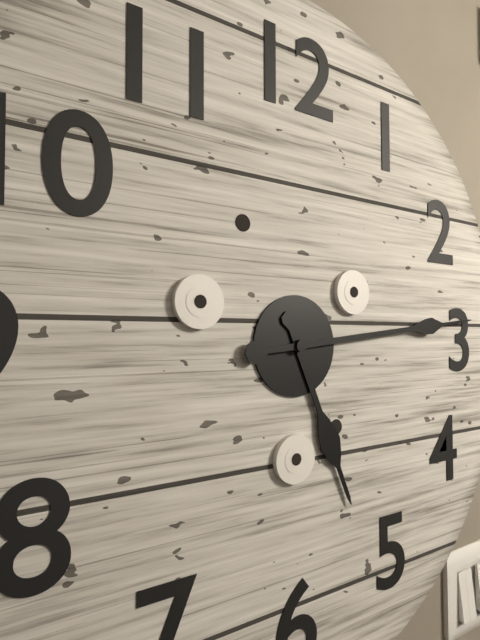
5:14
